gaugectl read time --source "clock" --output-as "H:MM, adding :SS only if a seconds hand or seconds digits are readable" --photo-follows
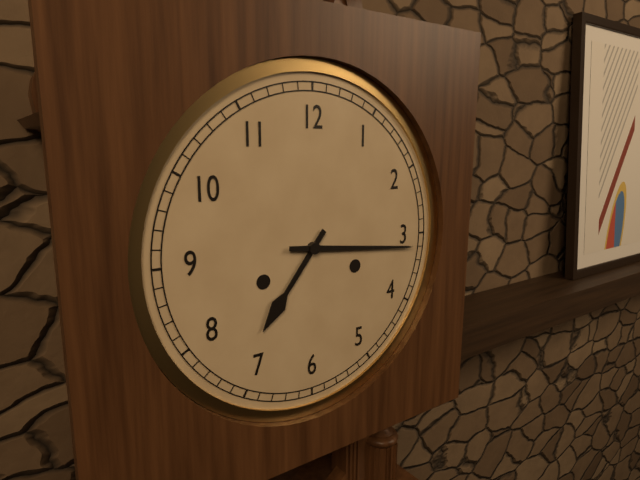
7:16
